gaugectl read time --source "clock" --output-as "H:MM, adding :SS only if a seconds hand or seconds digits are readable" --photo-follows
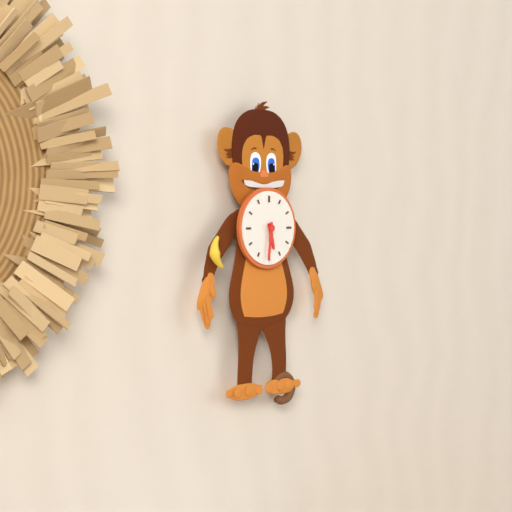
5:31
